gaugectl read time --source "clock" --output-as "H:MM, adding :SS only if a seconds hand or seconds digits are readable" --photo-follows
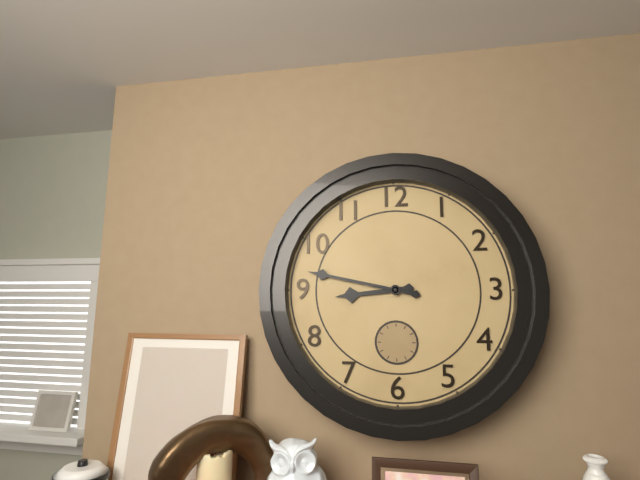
8:47
